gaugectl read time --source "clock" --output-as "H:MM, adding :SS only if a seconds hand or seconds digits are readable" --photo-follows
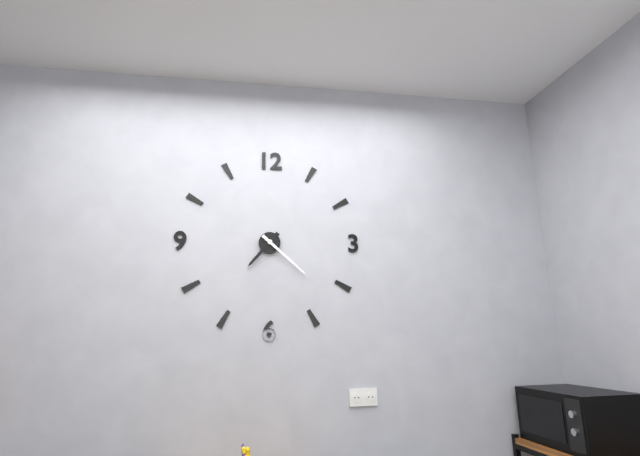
7:22
